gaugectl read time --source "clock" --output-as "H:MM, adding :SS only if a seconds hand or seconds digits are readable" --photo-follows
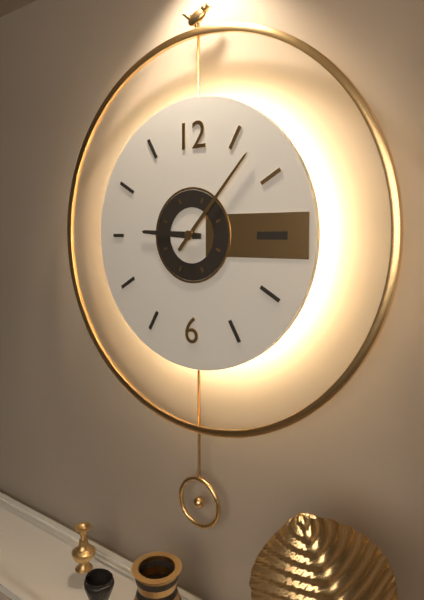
9:07
